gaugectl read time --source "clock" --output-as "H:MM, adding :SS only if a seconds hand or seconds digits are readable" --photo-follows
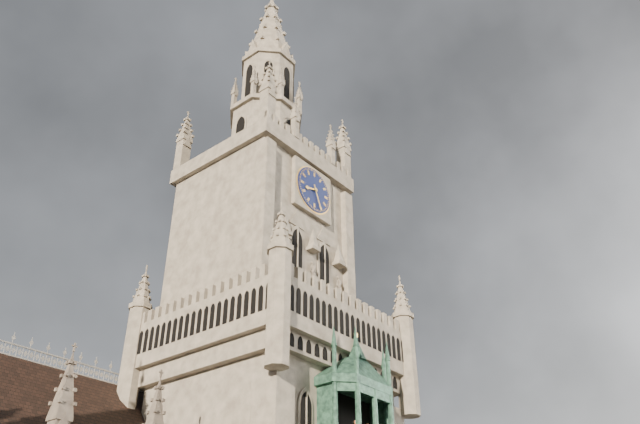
8:26
